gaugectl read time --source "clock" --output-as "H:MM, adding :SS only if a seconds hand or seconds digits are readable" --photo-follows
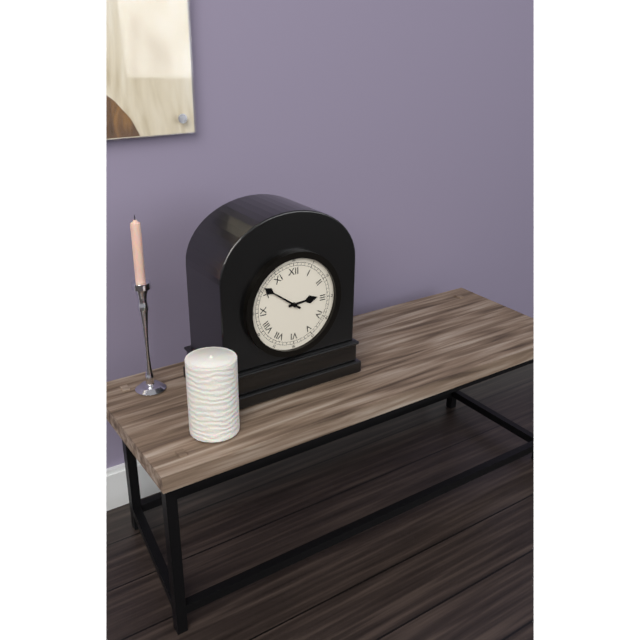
2:51
